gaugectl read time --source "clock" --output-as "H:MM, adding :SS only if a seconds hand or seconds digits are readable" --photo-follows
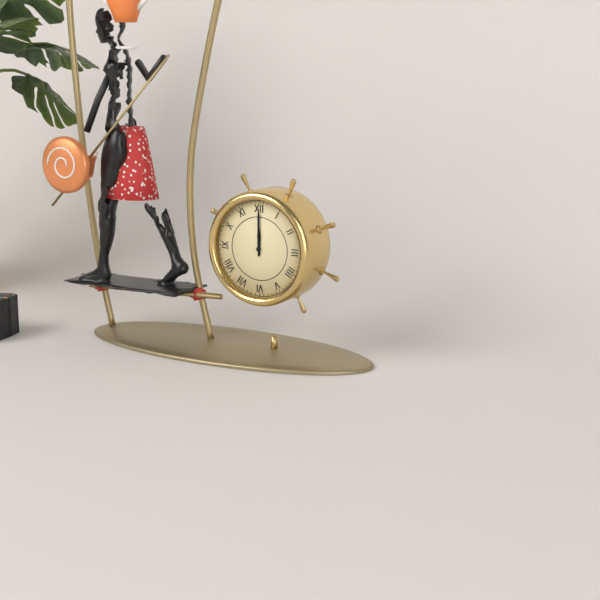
12:00
